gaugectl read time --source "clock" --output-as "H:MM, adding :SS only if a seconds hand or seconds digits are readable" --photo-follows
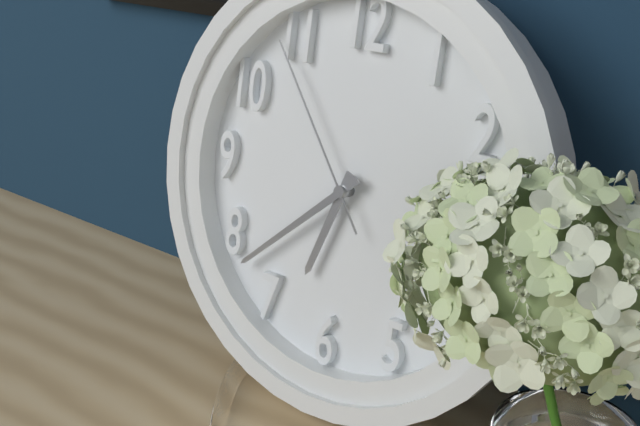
6:38:54
